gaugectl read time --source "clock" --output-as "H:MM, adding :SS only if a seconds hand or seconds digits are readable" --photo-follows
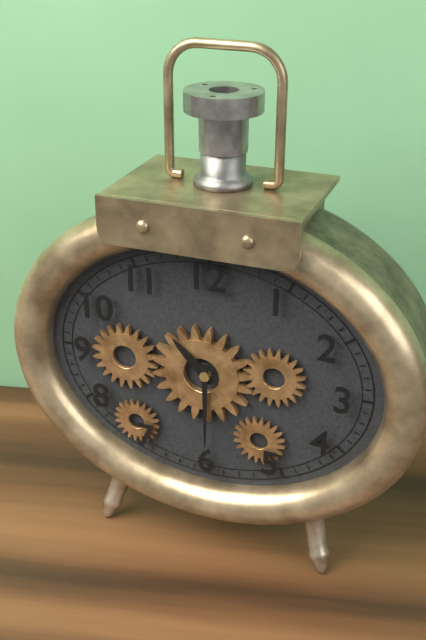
10:30
